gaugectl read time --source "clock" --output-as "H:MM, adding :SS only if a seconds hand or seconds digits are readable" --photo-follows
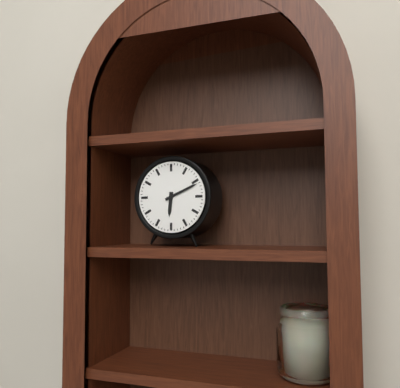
6:11
